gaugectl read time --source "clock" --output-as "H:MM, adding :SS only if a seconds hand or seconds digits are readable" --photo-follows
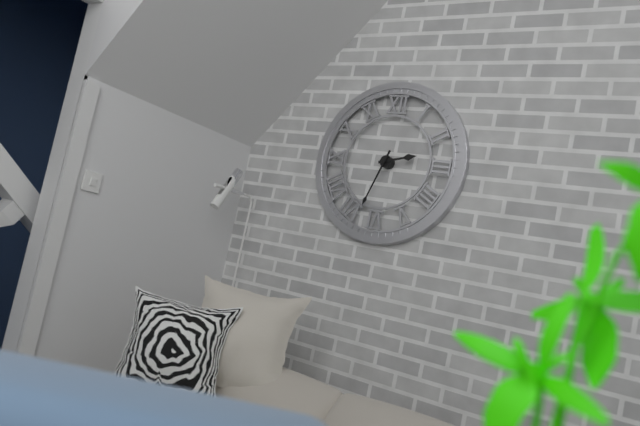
2:33
